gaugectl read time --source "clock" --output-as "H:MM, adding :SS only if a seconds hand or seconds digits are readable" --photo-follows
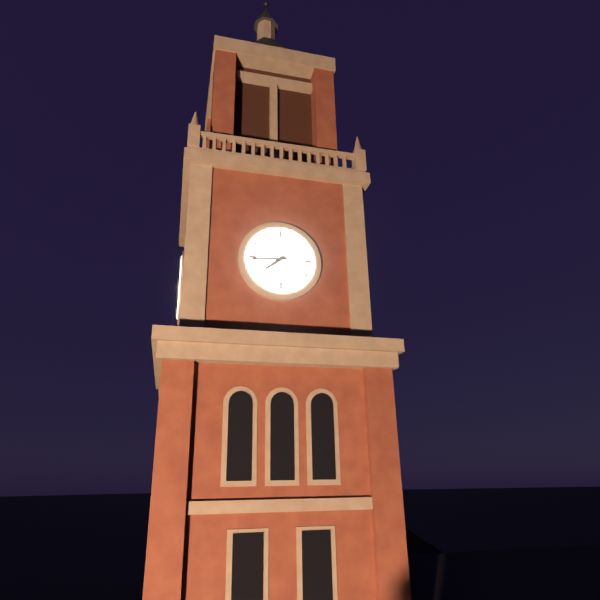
7:44
